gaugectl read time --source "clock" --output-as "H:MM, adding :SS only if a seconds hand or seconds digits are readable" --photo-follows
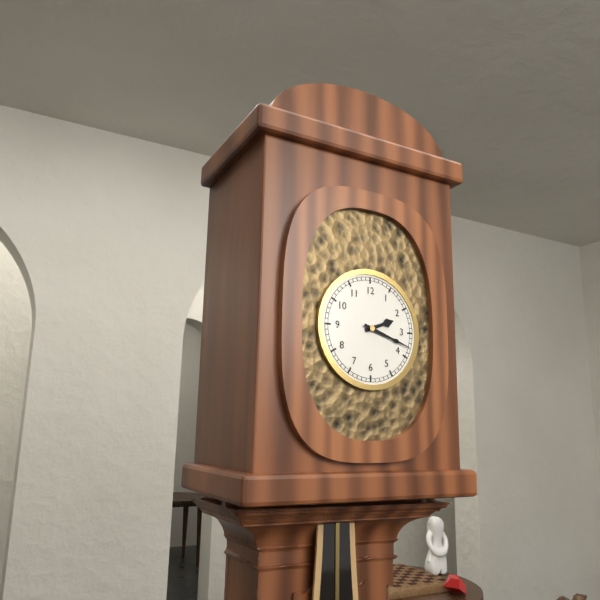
2:18
